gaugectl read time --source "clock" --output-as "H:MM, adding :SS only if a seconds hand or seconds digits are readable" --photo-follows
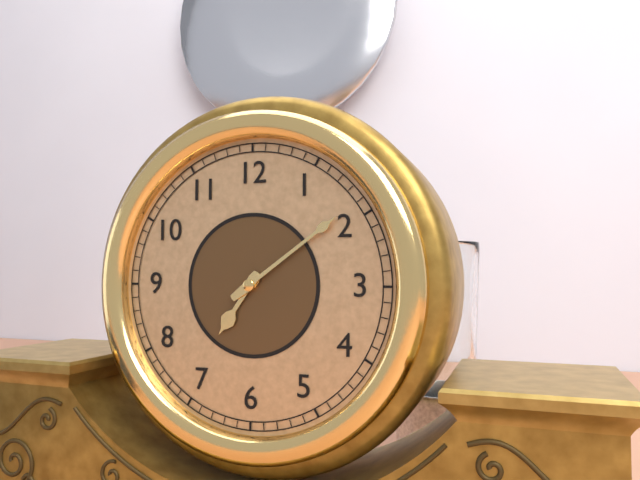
7:09
